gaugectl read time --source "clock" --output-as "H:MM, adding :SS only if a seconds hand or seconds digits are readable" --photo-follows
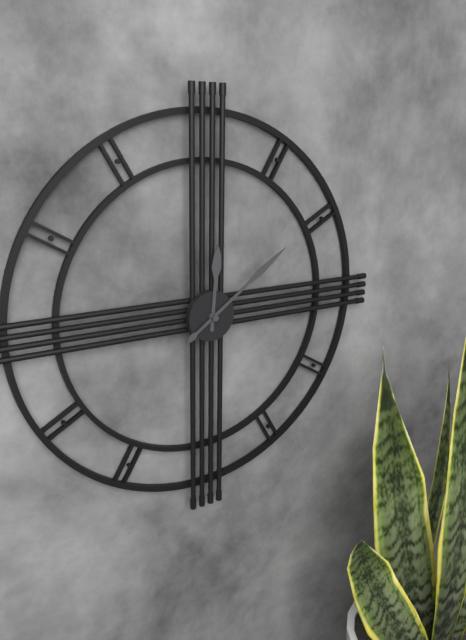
12:09
